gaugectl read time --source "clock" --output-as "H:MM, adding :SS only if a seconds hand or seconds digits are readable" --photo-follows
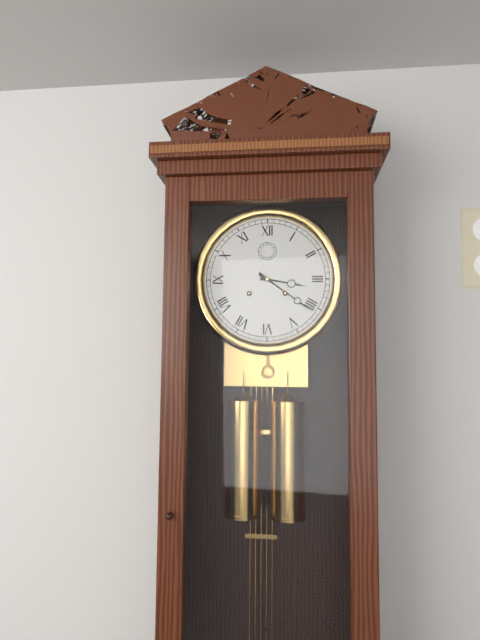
3:21
